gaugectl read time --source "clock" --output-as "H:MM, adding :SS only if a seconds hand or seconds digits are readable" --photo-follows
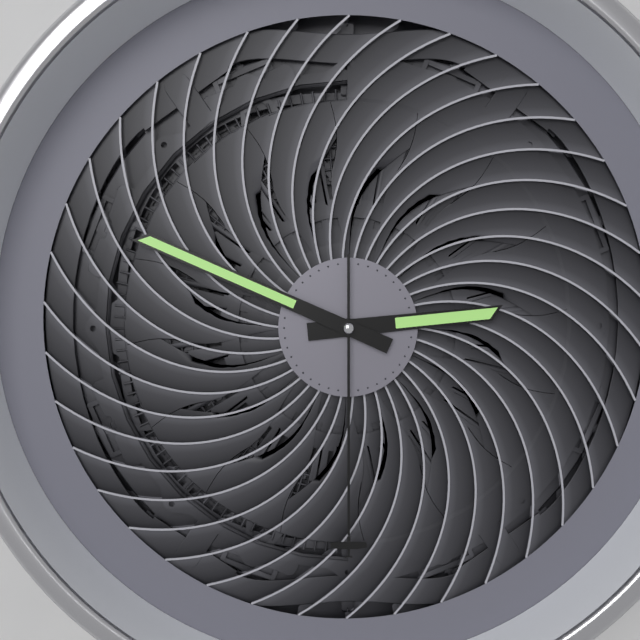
2:49:30
